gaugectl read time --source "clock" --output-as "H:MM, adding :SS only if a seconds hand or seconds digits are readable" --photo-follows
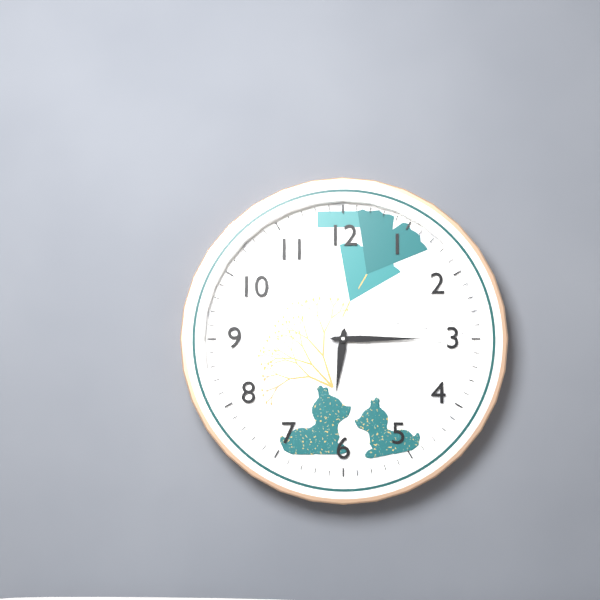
6:15
